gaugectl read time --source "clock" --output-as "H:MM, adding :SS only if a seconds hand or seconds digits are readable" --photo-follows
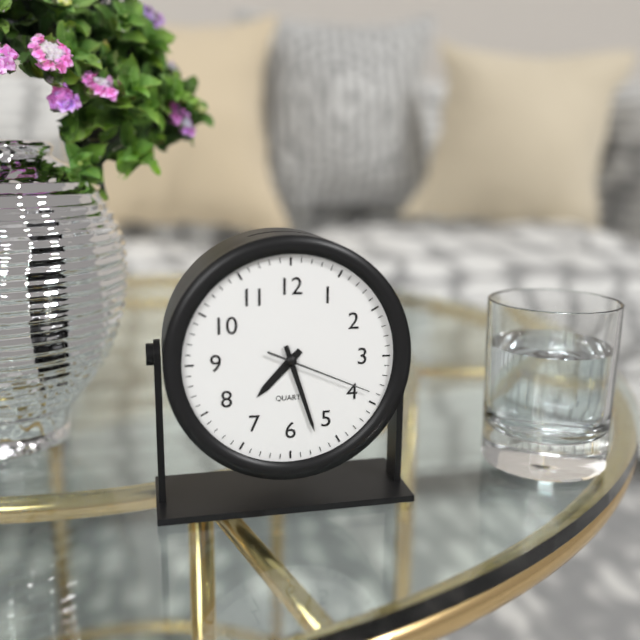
7:27:19
